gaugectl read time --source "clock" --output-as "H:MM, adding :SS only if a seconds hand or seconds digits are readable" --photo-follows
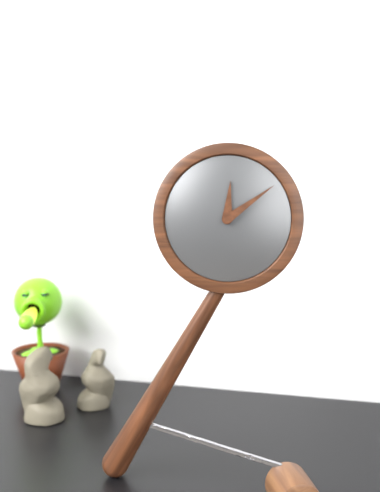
12:09
